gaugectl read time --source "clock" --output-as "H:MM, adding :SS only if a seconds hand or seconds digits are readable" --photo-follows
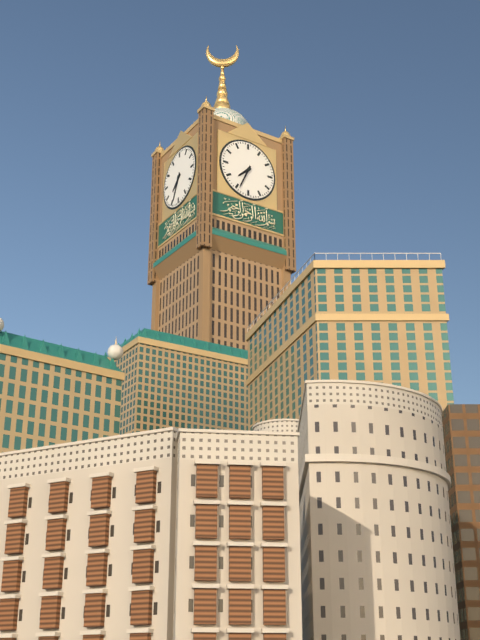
7:34
